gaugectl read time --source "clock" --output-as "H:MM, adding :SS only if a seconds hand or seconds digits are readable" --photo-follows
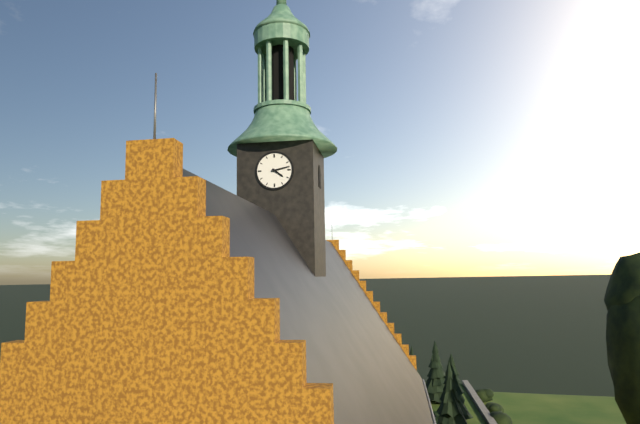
4:13
